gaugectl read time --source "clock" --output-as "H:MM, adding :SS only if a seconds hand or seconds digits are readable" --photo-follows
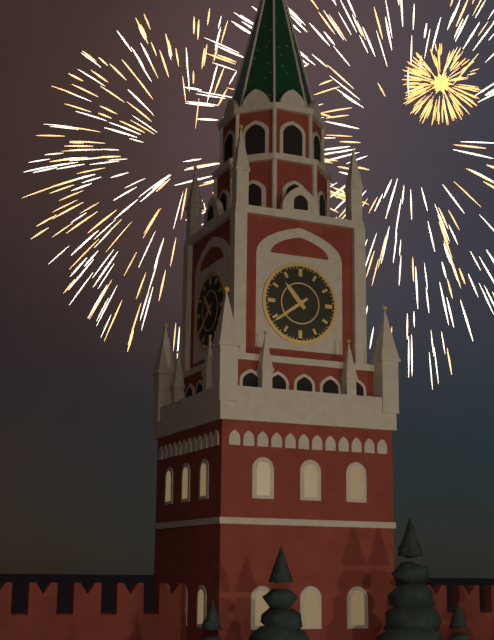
10:39
